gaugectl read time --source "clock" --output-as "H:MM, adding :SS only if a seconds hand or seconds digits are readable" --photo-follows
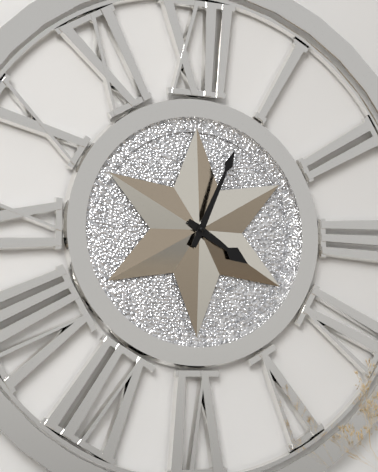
4:04
